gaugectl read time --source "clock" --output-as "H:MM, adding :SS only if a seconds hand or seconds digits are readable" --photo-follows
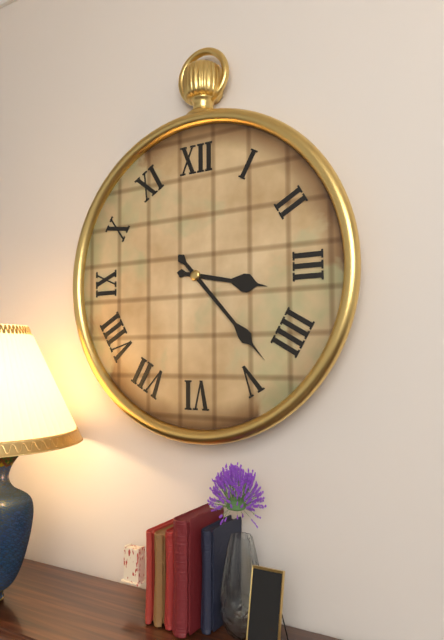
3:23
